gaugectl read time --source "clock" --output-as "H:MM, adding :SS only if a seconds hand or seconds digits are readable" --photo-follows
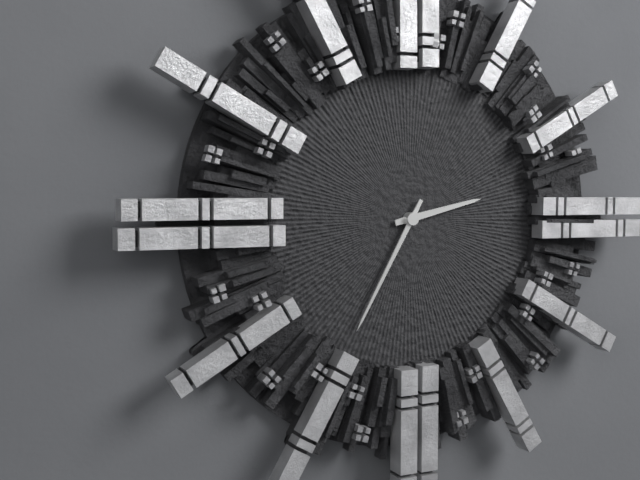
2:35
